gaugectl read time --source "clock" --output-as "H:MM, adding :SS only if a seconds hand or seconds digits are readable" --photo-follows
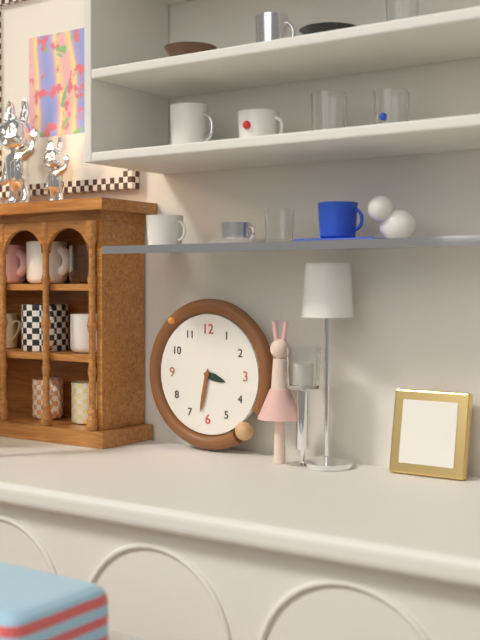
3:32
